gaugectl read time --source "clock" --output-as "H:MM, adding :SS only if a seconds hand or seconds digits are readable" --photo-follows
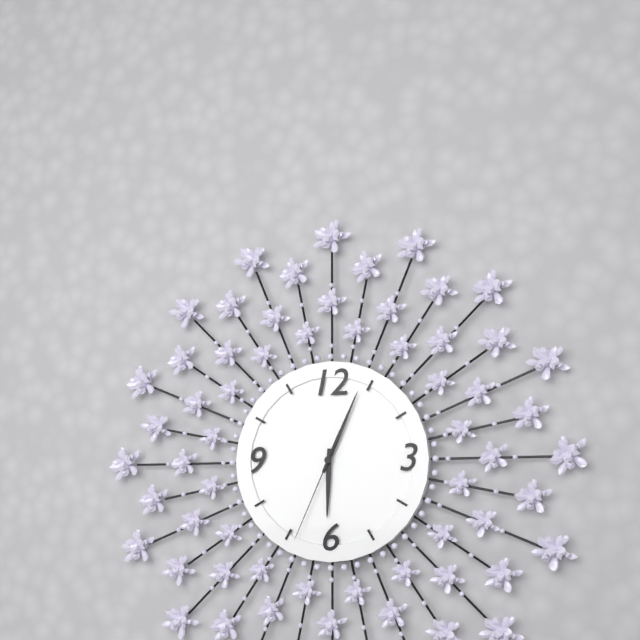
6:04:34
